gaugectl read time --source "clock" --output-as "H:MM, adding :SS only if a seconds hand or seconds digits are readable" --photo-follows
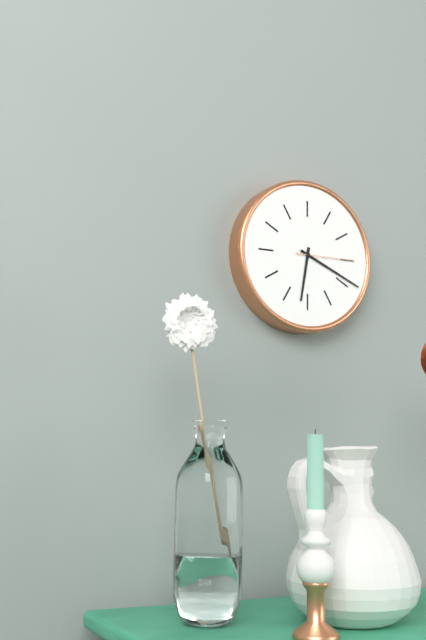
6:19:15
